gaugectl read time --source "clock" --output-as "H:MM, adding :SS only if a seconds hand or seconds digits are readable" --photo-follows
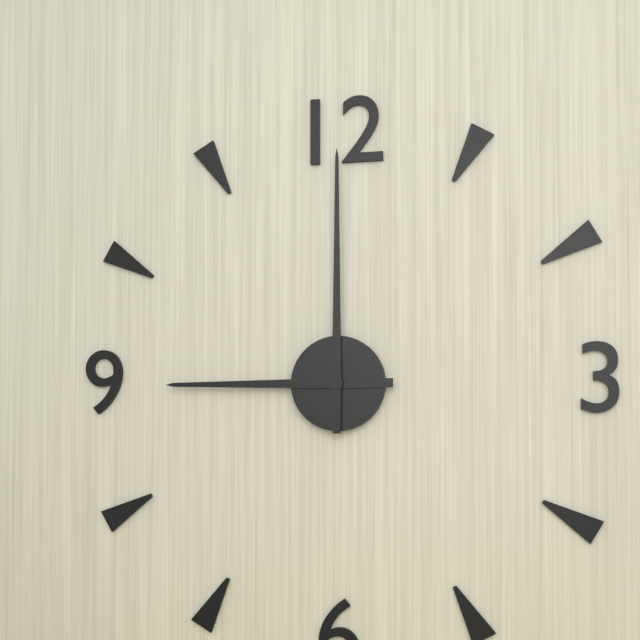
9:00
